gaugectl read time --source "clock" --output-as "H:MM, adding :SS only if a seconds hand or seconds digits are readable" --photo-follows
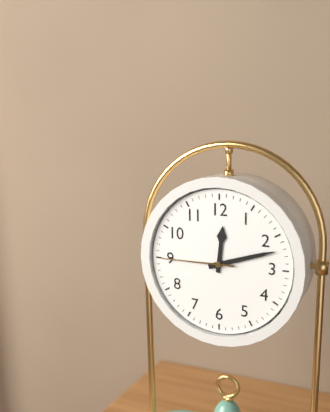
12:12:45
